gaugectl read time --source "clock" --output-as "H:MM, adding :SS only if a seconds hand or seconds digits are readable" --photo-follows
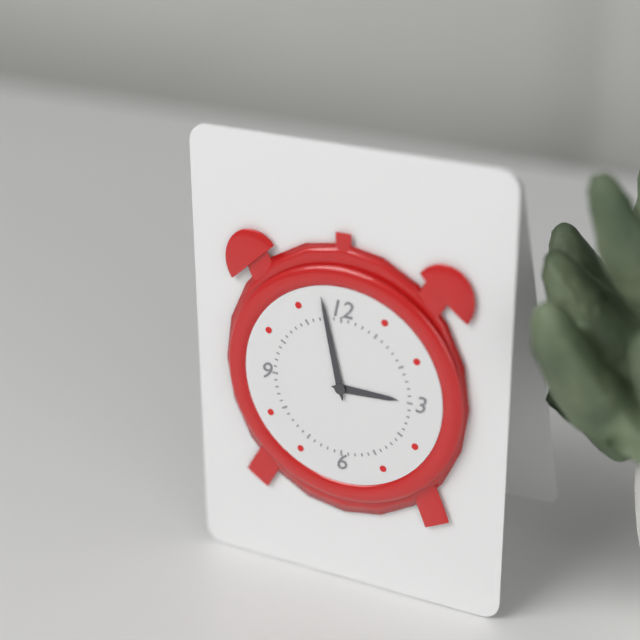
2:58
